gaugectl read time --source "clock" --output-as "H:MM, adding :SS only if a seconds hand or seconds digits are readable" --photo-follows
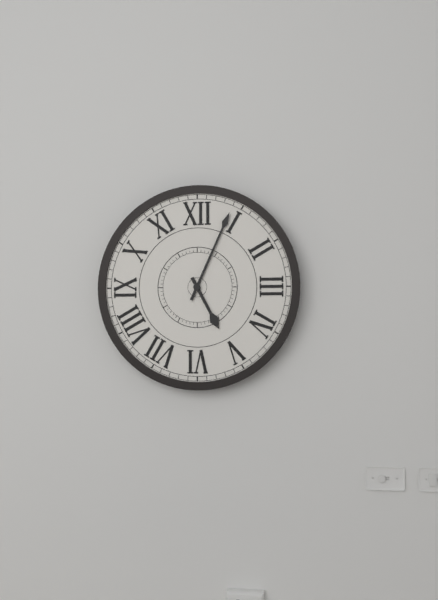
5:04
